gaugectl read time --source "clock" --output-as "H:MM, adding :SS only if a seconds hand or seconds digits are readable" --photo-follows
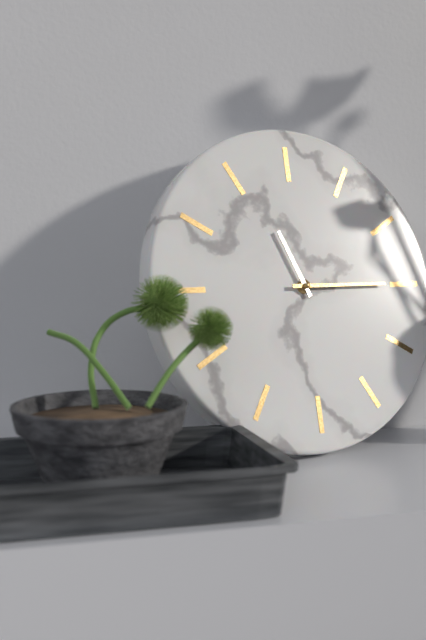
11:15
